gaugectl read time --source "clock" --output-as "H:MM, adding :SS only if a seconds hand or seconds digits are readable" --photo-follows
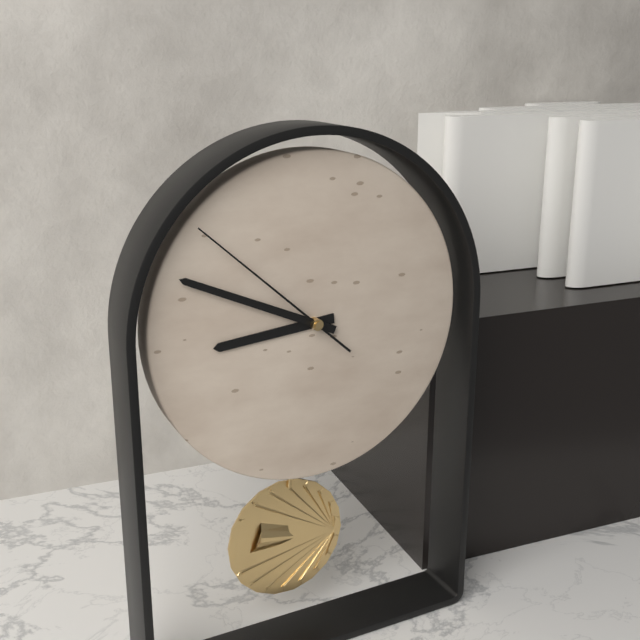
8:49:52
